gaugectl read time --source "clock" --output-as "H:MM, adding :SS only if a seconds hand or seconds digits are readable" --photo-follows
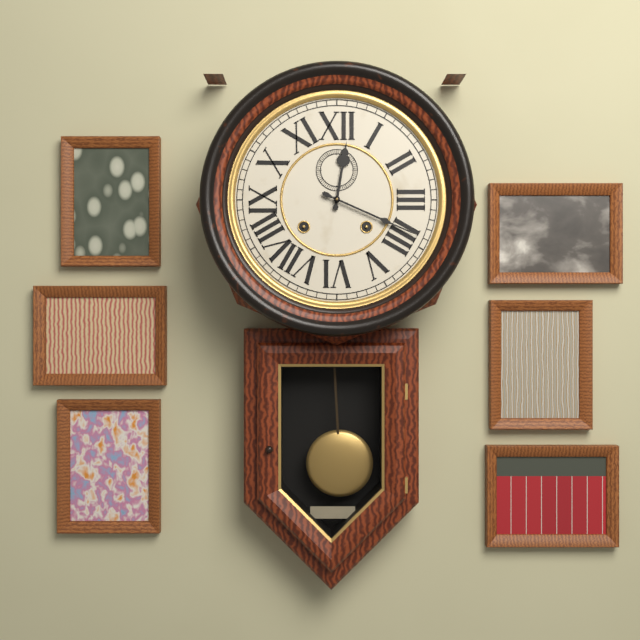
12:19
